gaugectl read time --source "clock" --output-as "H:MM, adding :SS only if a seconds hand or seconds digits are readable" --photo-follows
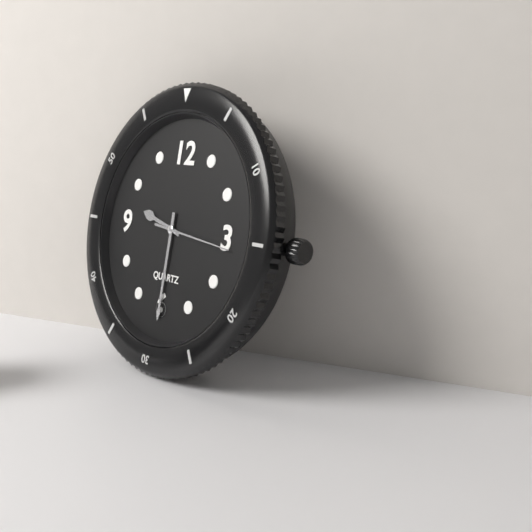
9:30
